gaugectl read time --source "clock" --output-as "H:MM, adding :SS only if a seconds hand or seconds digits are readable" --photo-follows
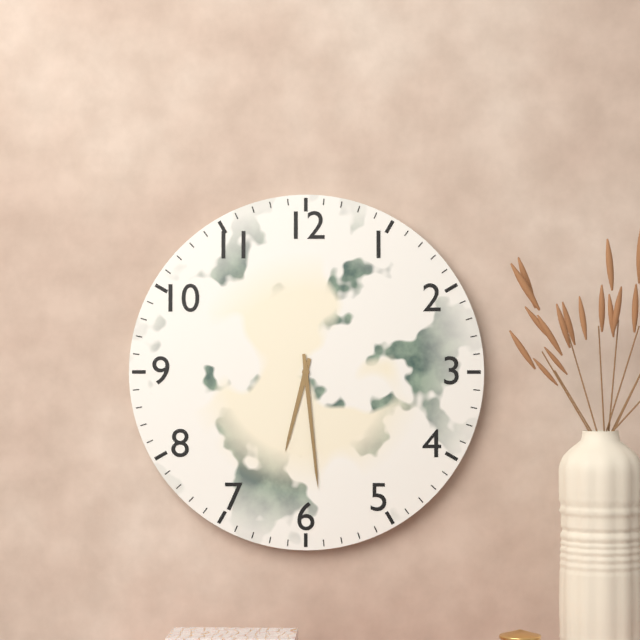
6:29
